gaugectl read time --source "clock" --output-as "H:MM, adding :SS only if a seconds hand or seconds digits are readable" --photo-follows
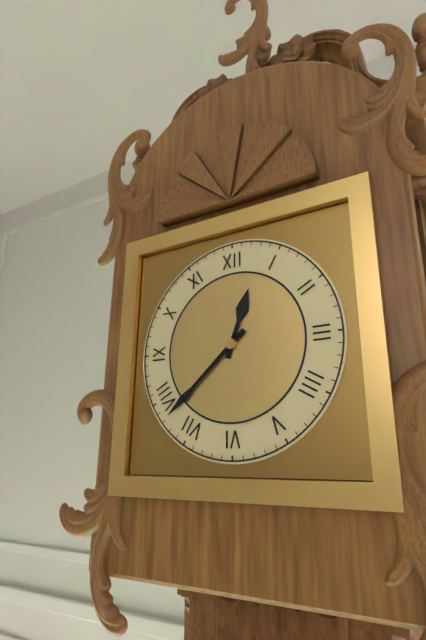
12:38
